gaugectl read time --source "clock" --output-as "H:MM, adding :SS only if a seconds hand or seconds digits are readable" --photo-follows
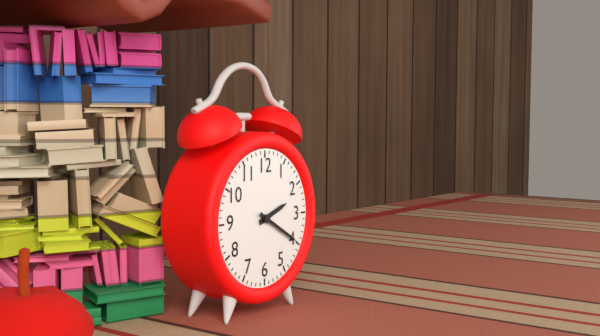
2:20
